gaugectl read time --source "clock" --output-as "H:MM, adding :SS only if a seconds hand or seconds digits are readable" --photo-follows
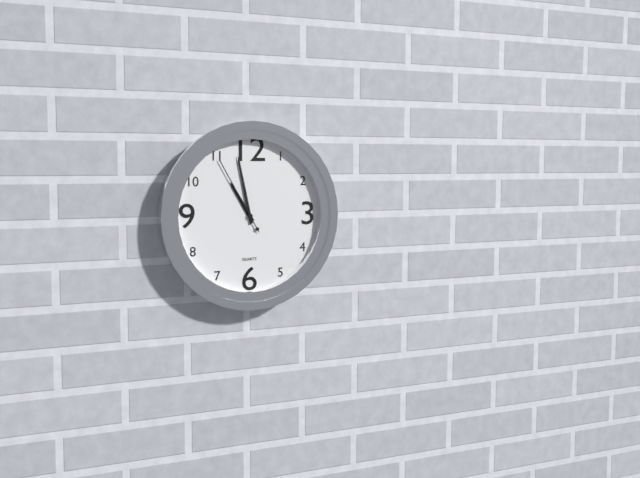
10:58:55
